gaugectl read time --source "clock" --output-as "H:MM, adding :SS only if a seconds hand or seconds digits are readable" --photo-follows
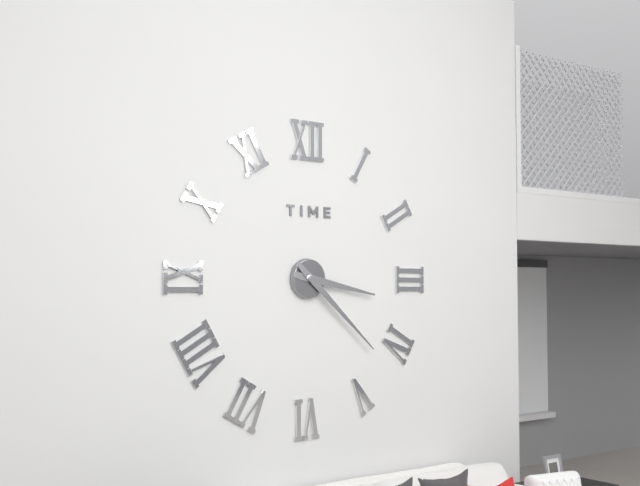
3:22
